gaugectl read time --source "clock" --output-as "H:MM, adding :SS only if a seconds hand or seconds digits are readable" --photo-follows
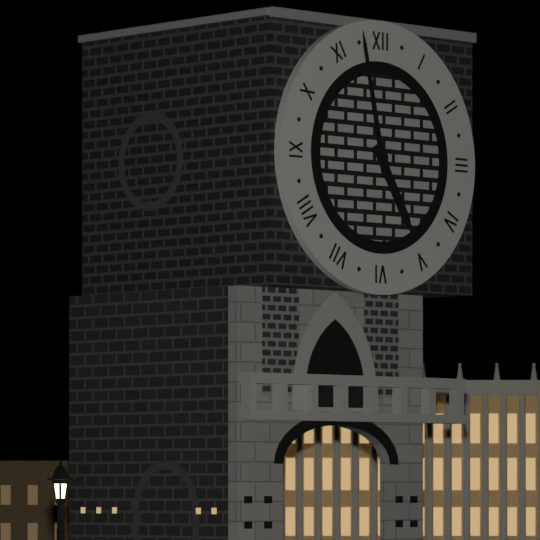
4:58
